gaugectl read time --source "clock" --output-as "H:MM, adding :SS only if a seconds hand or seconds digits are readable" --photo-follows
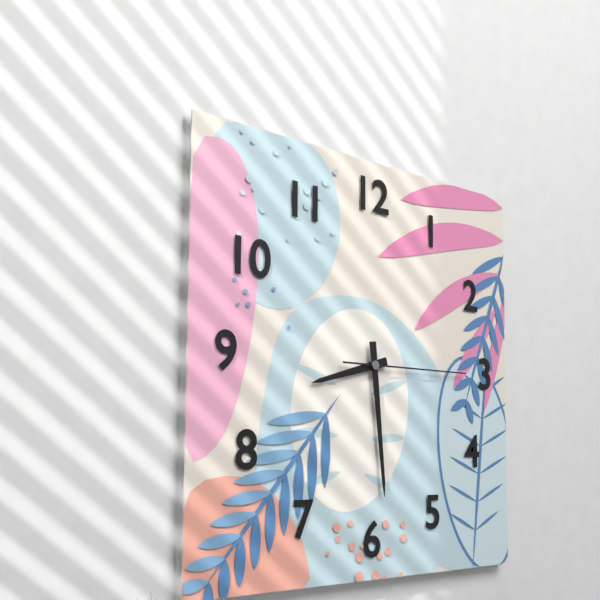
8:29:15
